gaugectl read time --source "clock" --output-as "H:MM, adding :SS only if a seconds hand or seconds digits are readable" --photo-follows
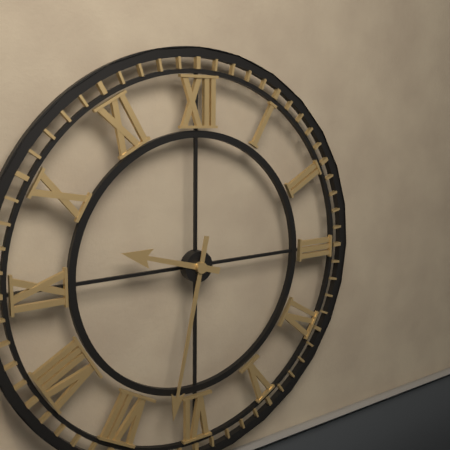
9:32
